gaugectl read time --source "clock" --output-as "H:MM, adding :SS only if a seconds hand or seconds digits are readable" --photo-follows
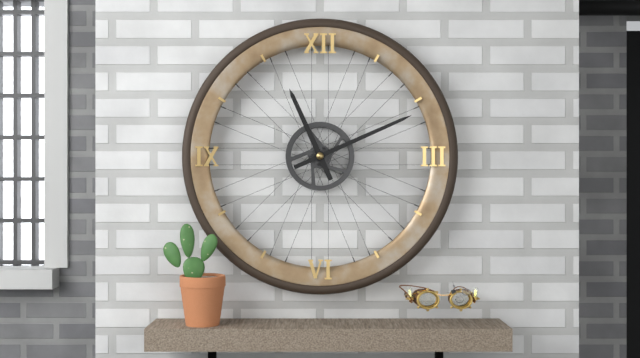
11:11
